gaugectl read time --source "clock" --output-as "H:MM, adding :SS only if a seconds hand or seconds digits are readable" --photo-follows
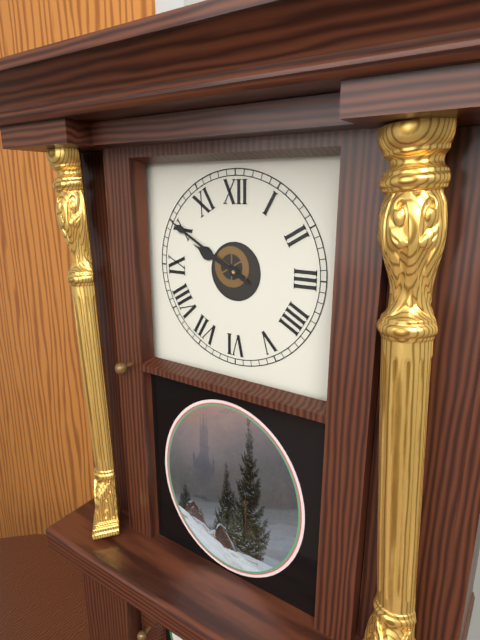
9:50
